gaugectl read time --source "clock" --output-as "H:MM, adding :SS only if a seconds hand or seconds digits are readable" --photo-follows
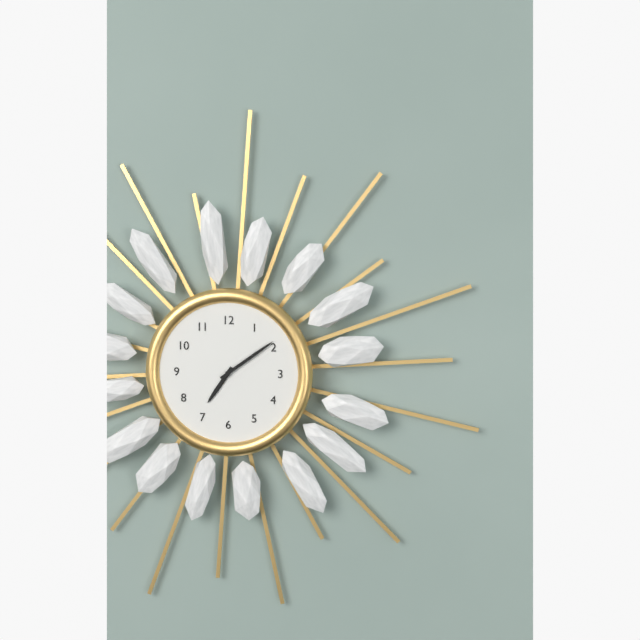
7:09
